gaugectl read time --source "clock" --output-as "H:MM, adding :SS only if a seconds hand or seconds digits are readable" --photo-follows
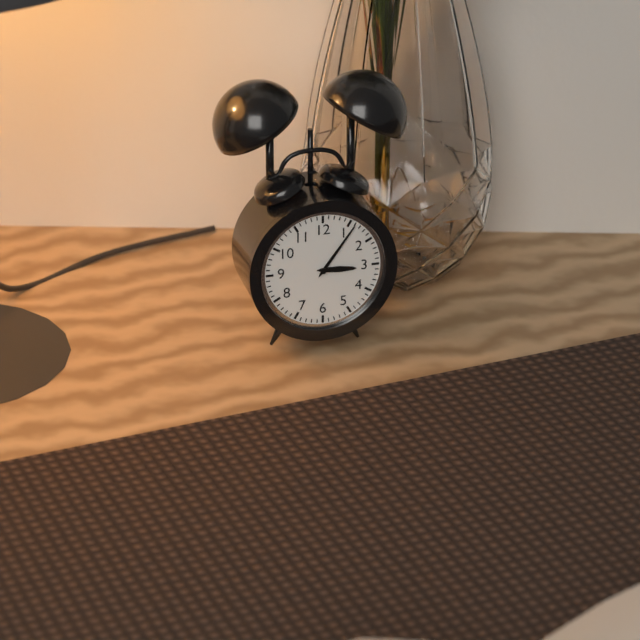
3:06
